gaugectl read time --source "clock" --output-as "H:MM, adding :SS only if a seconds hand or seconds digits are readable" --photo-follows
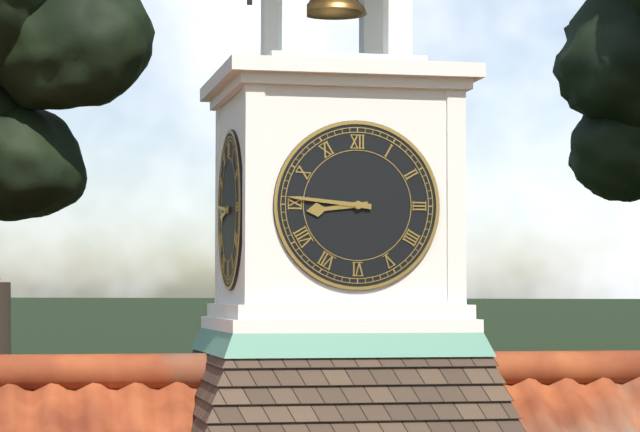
8:46
